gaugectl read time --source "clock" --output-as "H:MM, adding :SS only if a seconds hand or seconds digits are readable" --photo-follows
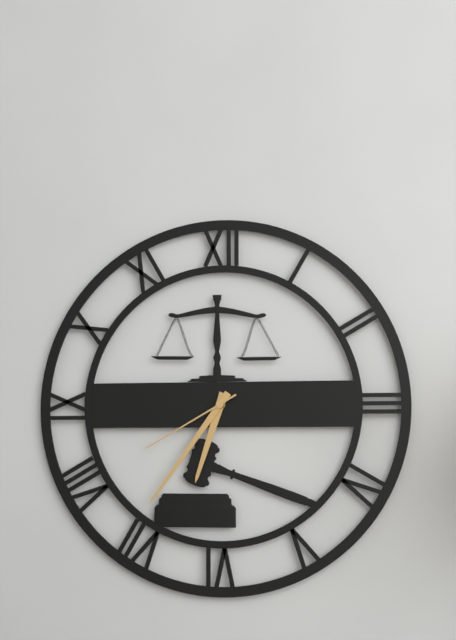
6:36:40
